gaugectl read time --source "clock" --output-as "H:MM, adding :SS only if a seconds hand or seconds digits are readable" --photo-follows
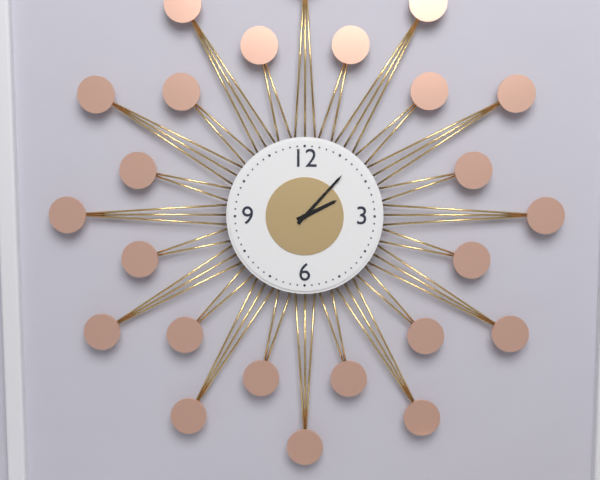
2:07
